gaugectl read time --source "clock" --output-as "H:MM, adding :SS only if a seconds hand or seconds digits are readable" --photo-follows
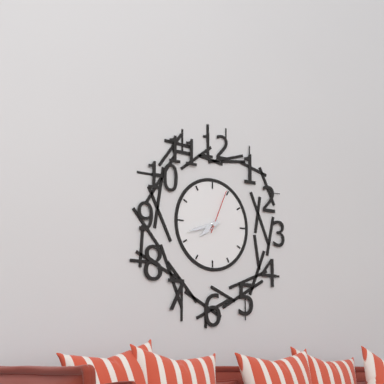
7:42
